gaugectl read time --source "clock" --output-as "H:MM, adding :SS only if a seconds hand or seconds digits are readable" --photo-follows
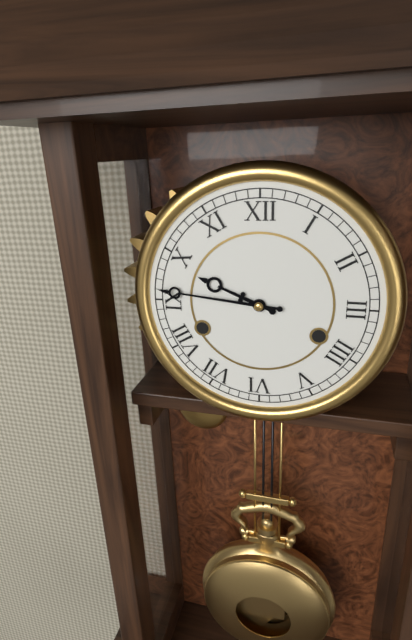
9:46
